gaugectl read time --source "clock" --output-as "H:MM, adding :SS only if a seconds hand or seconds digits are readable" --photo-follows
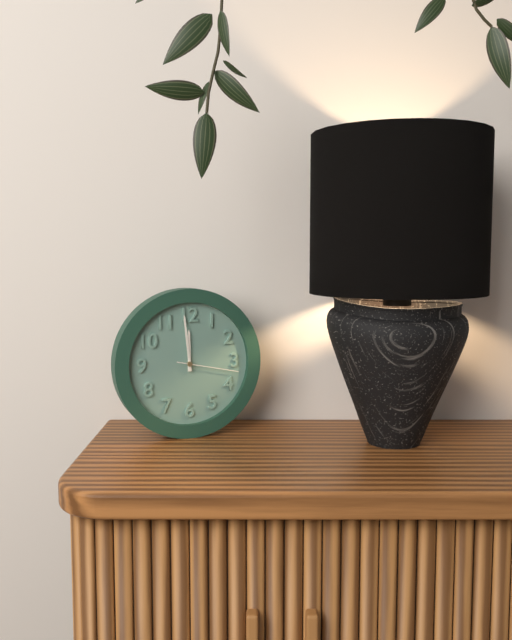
11:59:17
